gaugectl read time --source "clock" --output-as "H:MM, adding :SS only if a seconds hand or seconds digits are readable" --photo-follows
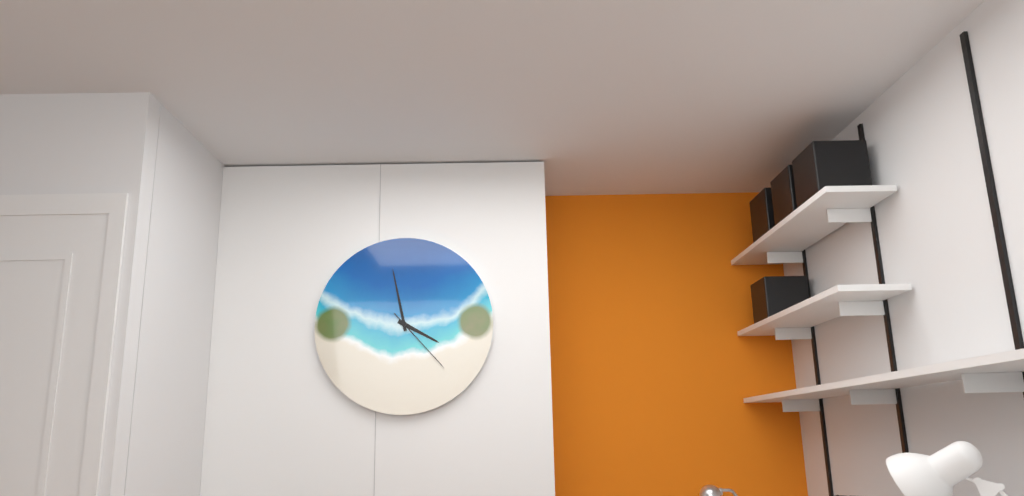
3:58:23
